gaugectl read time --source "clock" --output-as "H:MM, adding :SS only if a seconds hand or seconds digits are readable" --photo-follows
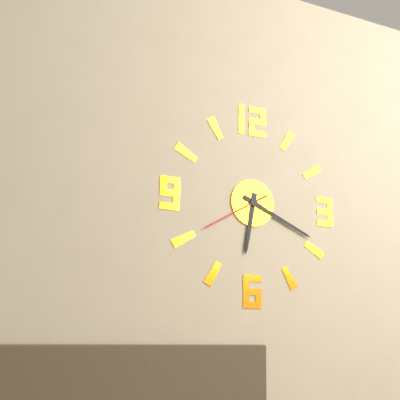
6:19:40
